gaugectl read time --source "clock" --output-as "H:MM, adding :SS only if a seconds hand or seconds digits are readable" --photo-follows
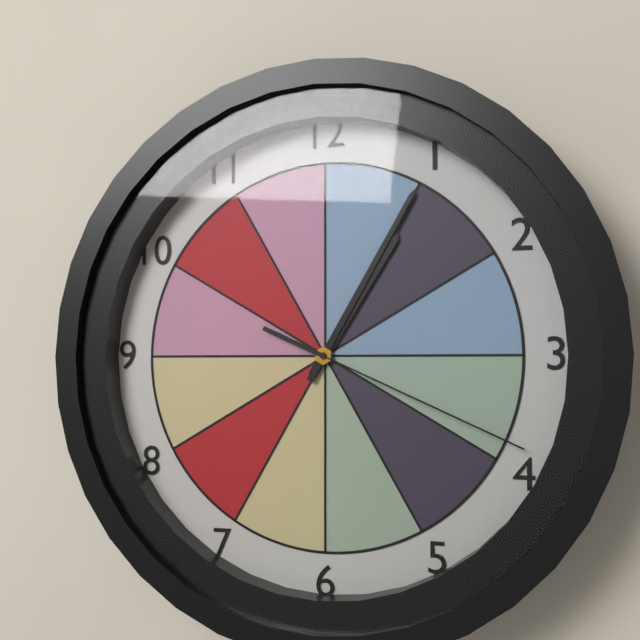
1:05:19
